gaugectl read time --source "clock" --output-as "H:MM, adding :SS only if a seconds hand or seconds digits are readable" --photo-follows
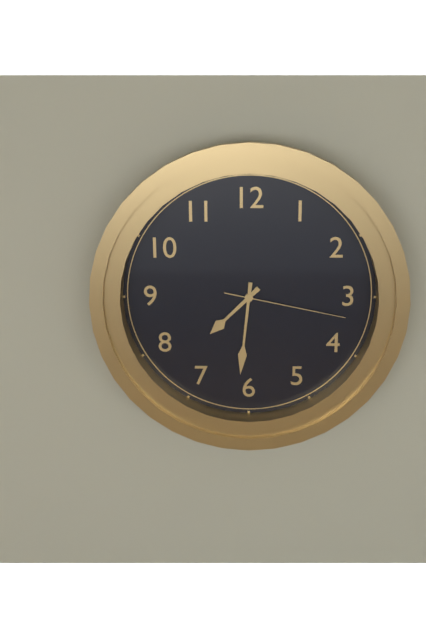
7:31:17
